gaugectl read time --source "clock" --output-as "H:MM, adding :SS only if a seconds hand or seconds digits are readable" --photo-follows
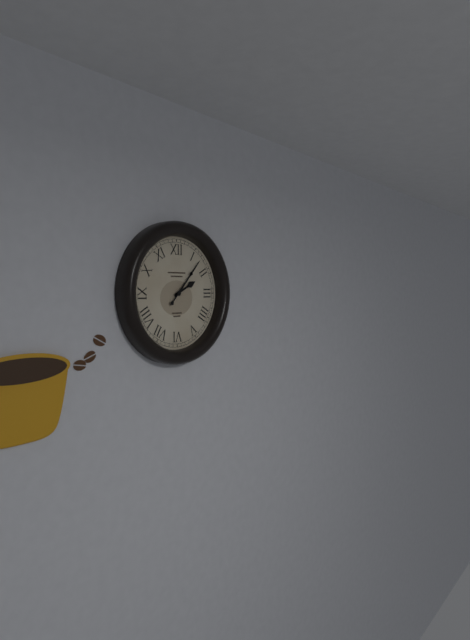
2:07
